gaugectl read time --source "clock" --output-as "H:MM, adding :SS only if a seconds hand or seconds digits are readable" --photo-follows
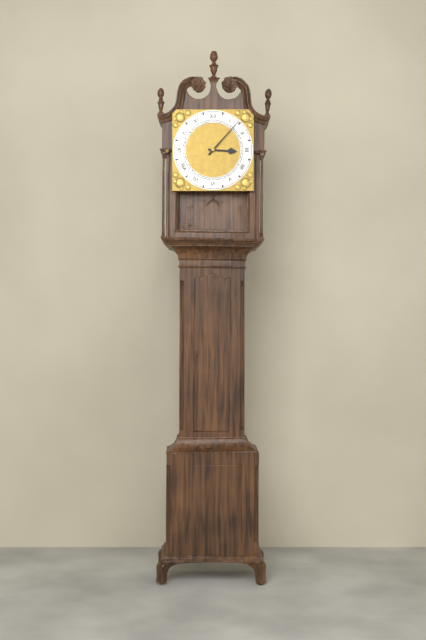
3:07
